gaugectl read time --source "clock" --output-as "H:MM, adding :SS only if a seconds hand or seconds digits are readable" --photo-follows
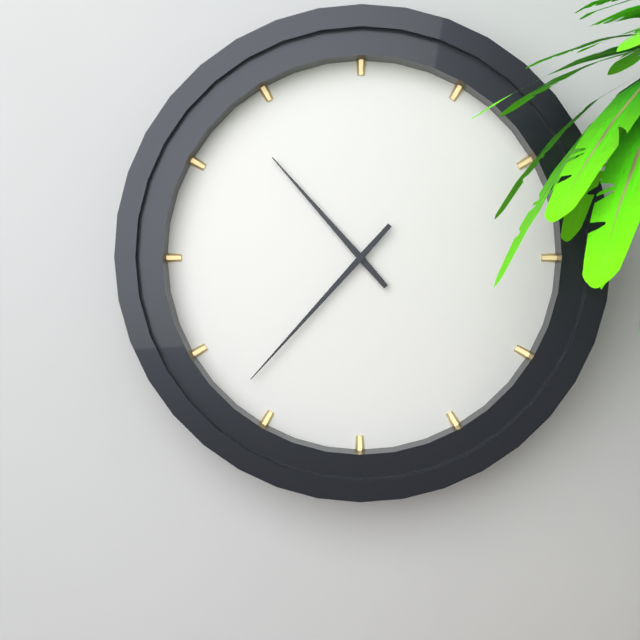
10:37
